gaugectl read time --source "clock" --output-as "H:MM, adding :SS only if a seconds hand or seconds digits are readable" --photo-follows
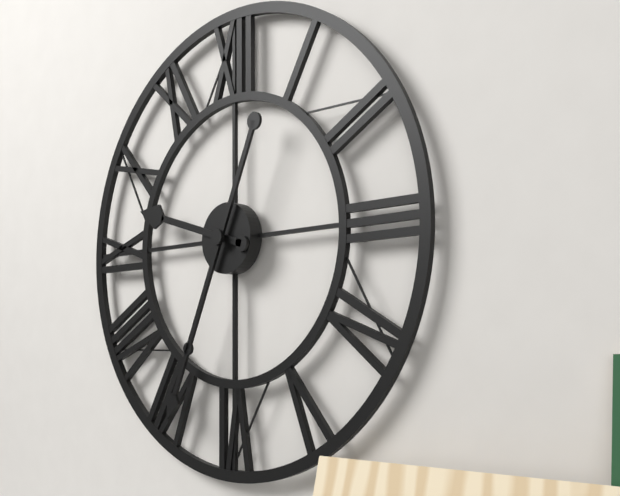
9:34
